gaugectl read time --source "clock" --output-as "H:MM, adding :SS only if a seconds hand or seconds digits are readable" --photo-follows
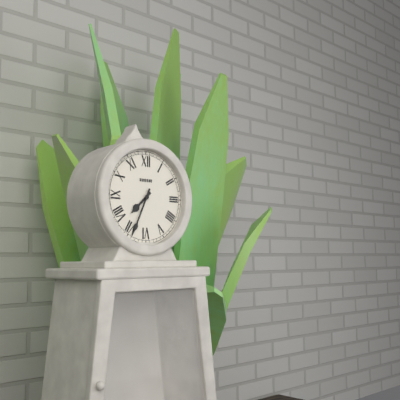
7:34
